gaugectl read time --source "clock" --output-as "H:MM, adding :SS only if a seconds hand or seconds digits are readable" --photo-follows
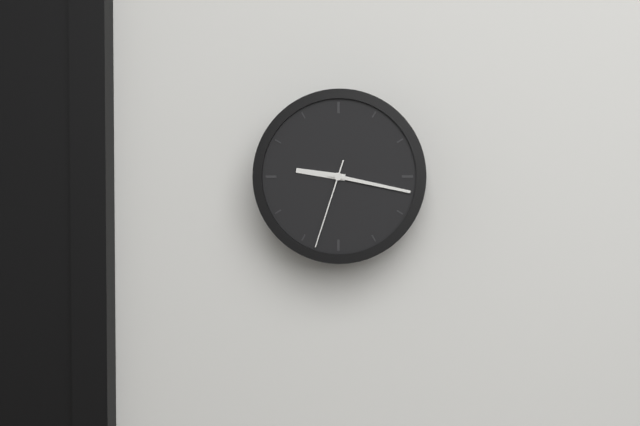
9:17:33
